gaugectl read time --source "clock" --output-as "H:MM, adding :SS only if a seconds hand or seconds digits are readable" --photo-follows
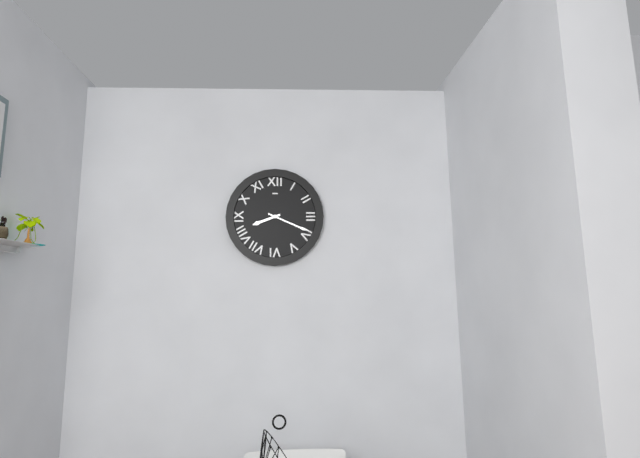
8:19
